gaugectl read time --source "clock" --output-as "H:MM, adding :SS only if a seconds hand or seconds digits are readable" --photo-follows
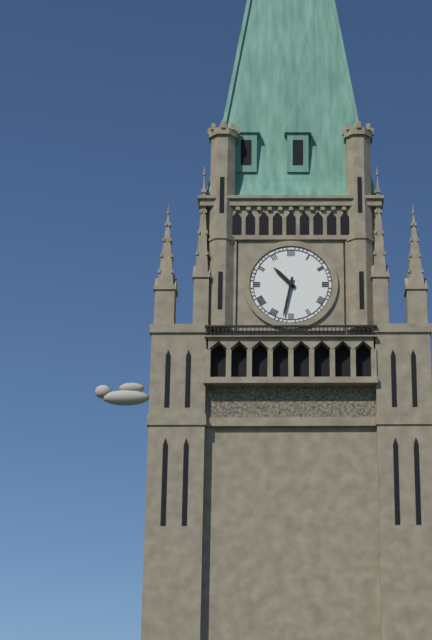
10:32
